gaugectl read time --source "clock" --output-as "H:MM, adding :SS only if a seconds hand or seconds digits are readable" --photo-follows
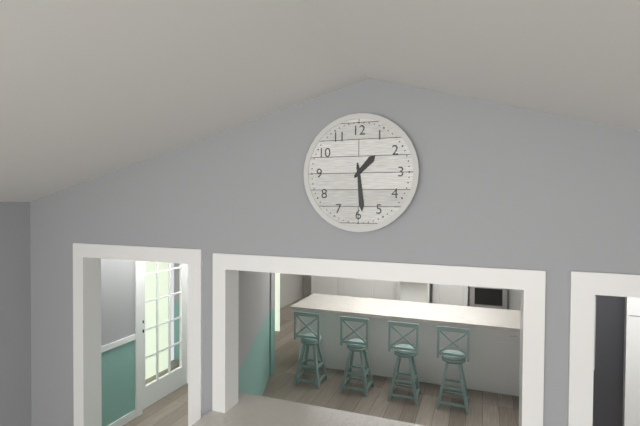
1:29
